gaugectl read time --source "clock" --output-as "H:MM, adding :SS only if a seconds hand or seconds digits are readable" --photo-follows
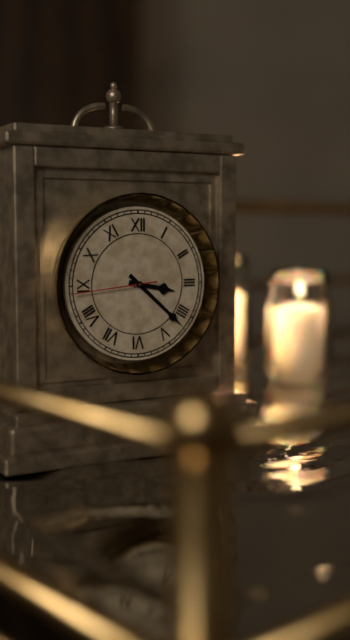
3:22:44
